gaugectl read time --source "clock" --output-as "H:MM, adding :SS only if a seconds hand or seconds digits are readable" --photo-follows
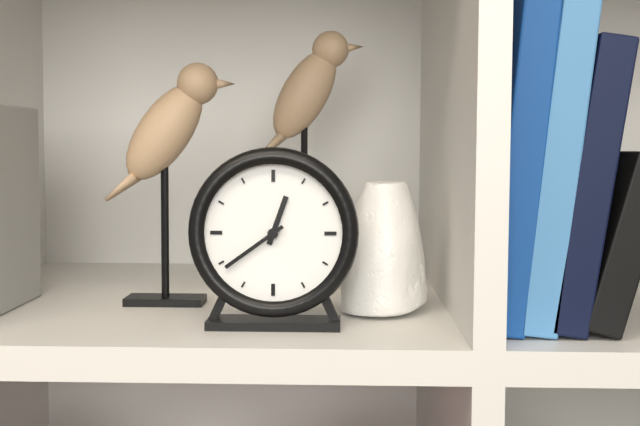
12:39
